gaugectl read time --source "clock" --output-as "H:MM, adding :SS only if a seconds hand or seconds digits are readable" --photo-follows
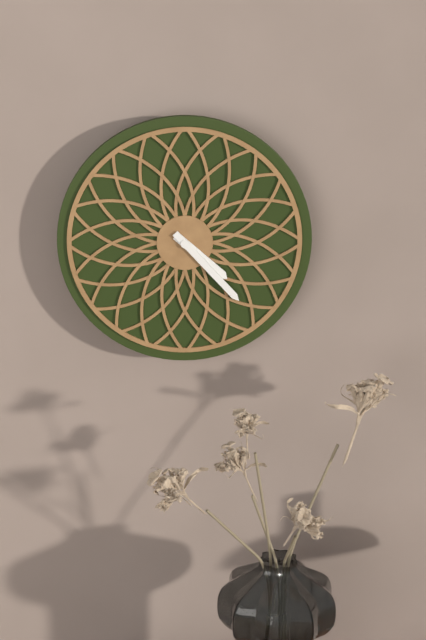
4:23
